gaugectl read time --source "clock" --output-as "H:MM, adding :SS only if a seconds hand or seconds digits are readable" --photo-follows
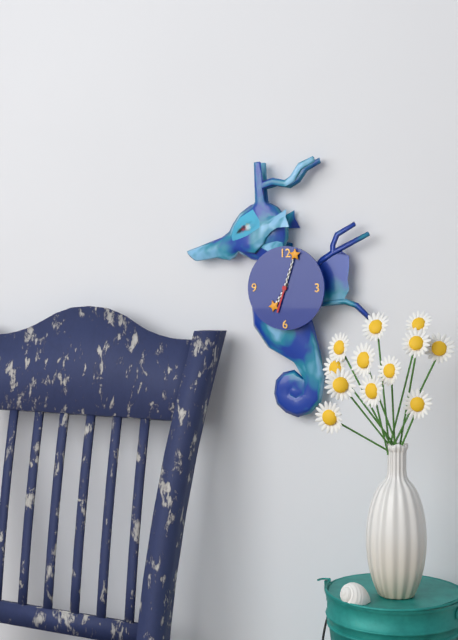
7:03
